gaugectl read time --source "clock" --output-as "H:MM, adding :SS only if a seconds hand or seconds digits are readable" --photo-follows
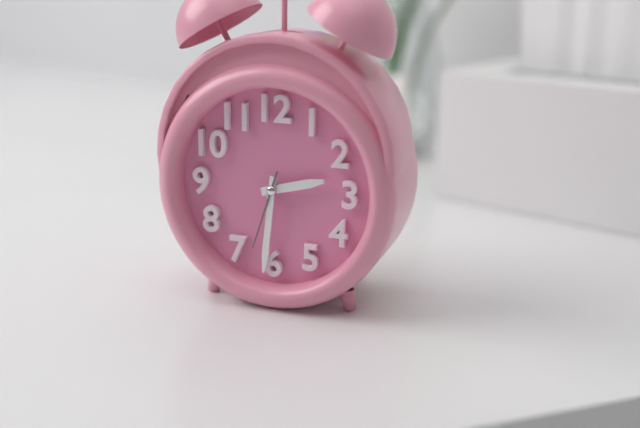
2:31:33
